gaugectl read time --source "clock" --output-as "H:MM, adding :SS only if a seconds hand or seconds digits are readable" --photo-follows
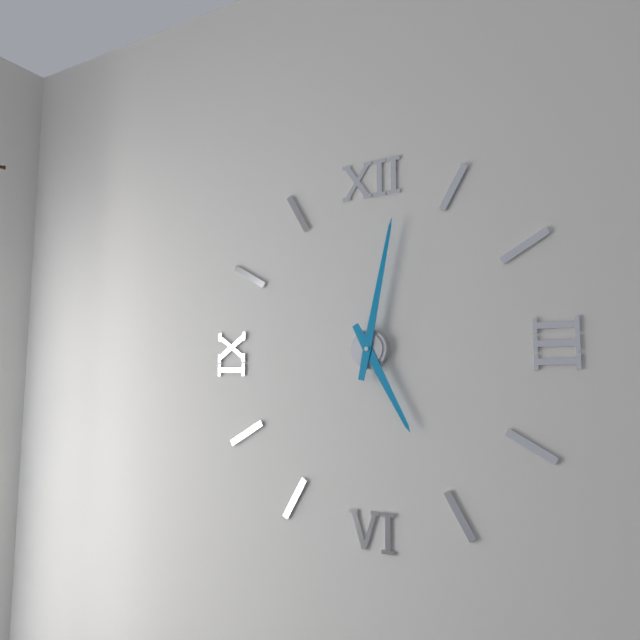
5:02
